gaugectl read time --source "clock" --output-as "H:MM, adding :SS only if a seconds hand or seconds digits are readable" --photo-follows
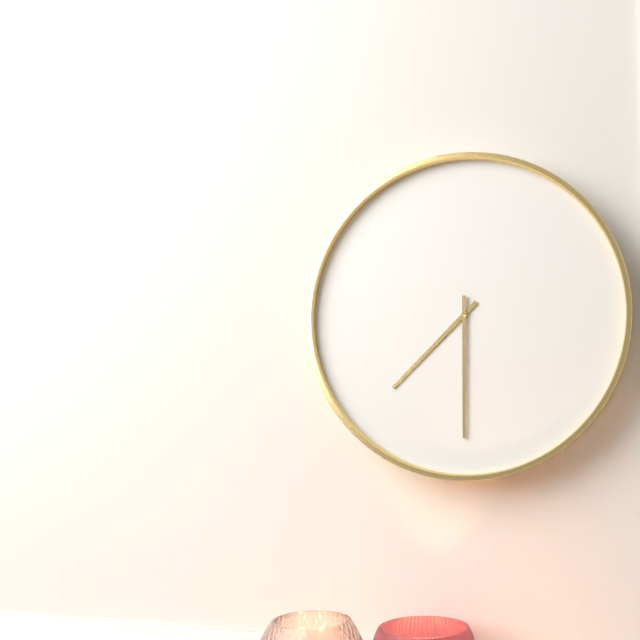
7:30
